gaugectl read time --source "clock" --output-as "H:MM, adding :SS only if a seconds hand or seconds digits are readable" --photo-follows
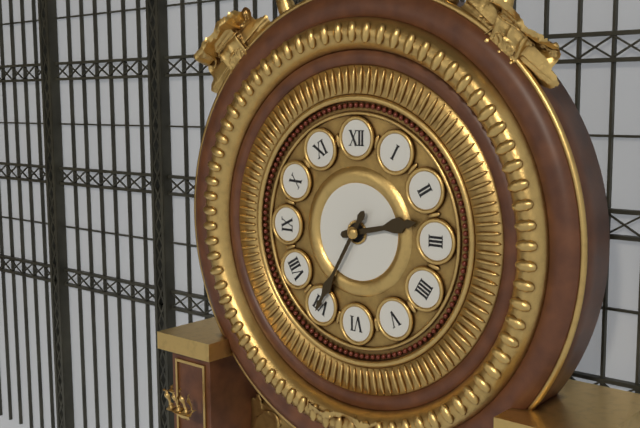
2:35
